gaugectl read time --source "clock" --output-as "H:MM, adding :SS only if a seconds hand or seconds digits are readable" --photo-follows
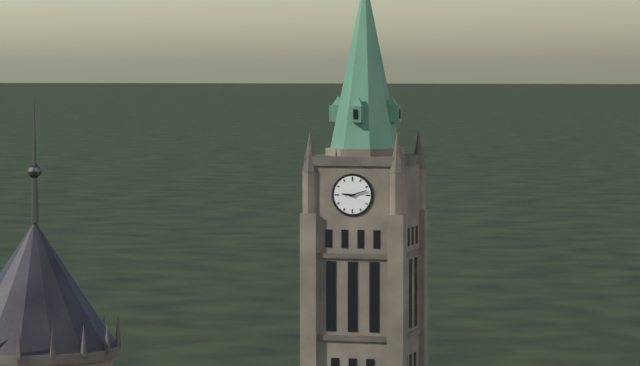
9:12
